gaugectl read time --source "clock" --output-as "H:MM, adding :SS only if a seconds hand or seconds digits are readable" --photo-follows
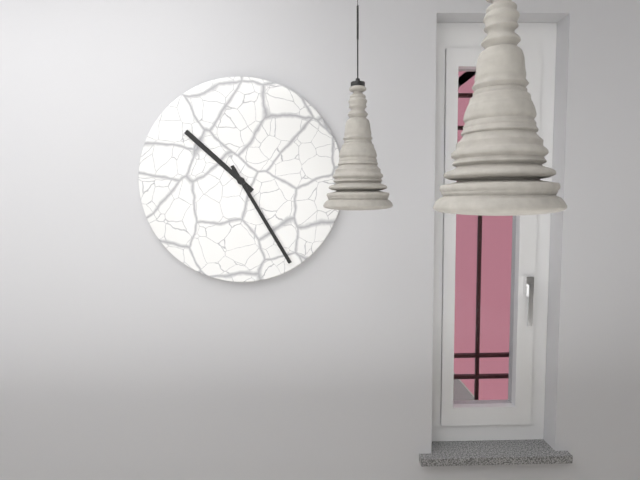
10:25
